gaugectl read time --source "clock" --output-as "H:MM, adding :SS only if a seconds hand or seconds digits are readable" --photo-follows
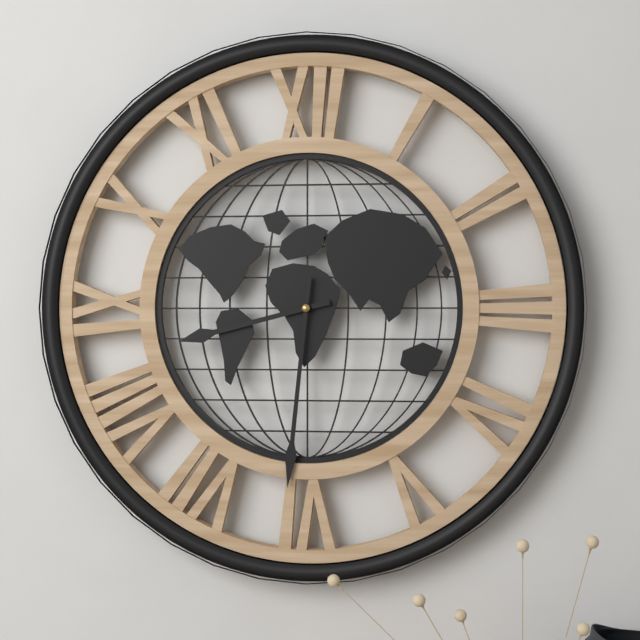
8:31
